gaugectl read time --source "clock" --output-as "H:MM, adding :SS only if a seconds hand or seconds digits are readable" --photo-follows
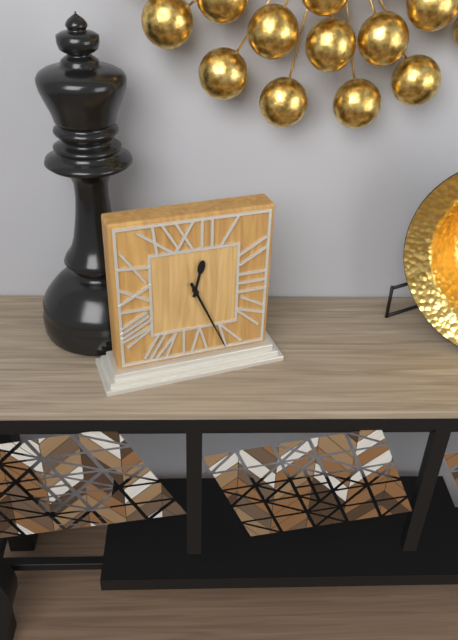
12:26
